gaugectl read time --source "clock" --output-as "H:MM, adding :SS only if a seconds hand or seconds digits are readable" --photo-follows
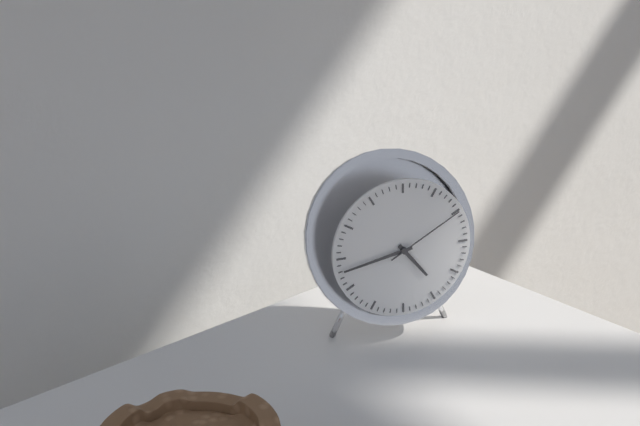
4:43:10
